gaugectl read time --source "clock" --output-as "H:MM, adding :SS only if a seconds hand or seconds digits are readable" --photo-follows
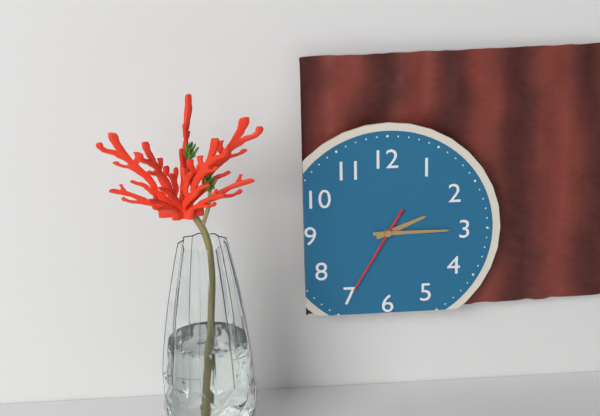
2:15:35
